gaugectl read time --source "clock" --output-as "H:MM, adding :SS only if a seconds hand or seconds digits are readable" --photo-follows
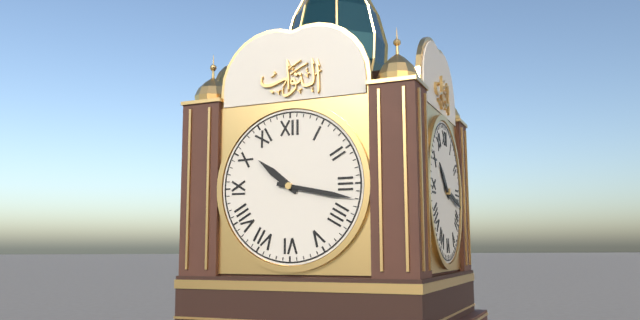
10:17
